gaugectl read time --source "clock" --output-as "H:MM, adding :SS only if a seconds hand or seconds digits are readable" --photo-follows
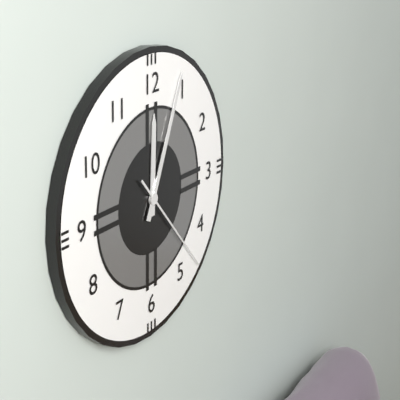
12:04:23
